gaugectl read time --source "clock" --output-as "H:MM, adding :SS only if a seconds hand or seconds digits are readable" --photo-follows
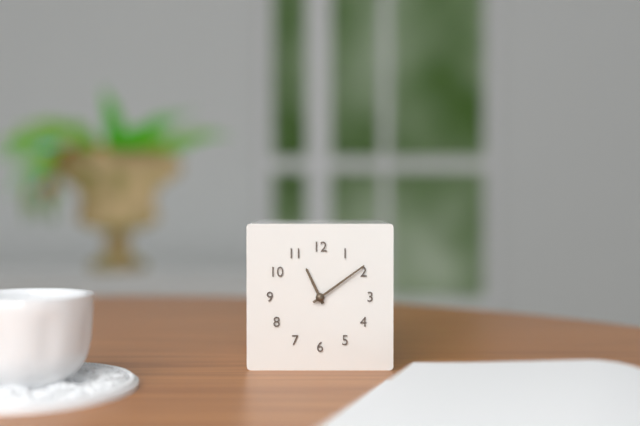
11:09
